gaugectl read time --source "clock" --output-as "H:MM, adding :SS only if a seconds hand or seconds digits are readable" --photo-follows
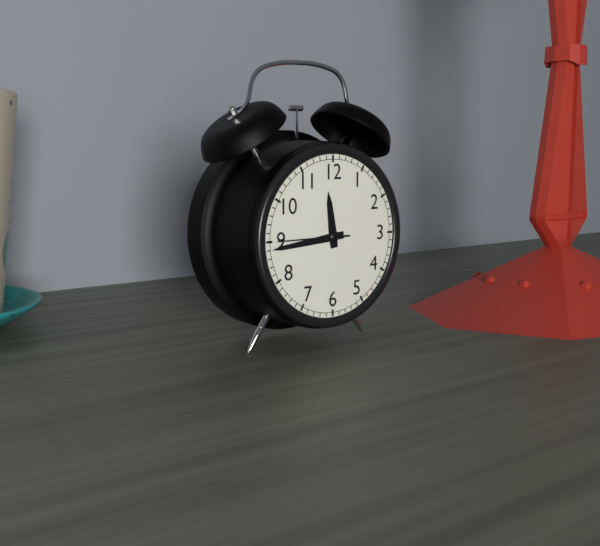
11:44:45
